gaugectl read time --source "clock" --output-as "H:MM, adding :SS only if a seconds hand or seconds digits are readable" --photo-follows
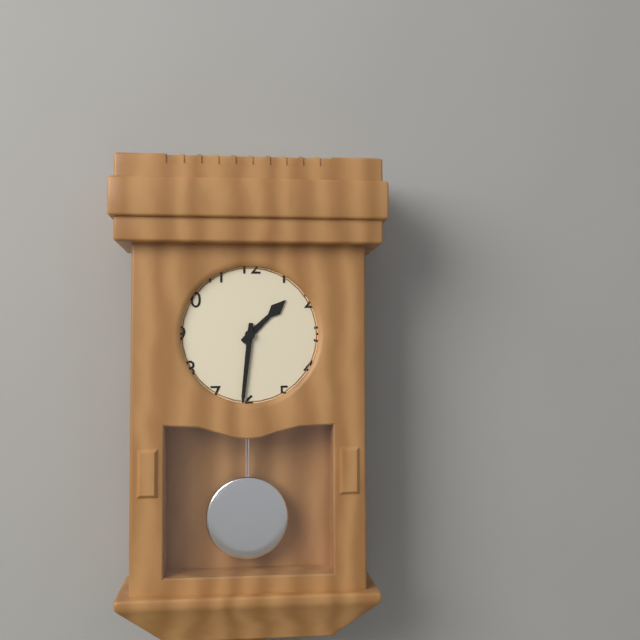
1:31
